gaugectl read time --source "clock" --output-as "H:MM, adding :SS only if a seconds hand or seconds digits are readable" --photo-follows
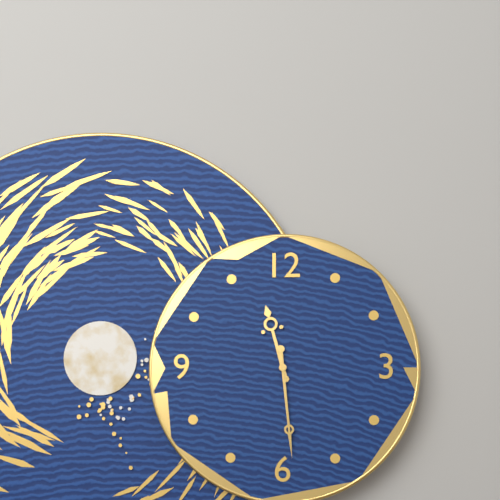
11:29
